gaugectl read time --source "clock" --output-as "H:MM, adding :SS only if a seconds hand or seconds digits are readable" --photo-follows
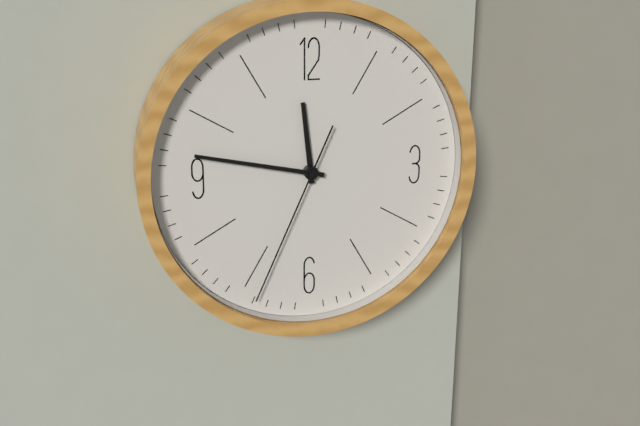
11:47:34
